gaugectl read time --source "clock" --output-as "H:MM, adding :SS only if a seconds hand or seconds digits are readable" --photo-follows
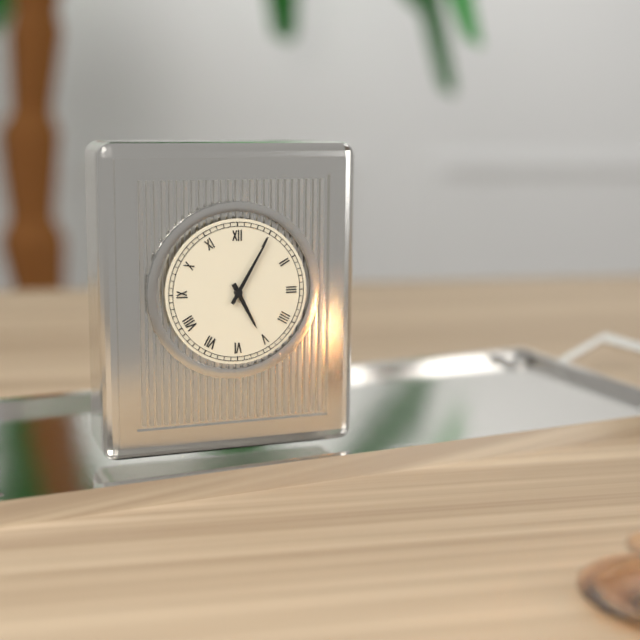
5:05
